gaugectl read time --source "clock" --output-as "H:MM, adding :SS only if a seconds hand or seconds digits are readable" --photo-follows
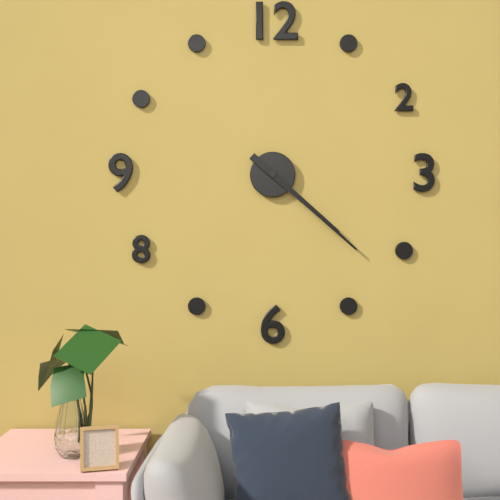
4:22
